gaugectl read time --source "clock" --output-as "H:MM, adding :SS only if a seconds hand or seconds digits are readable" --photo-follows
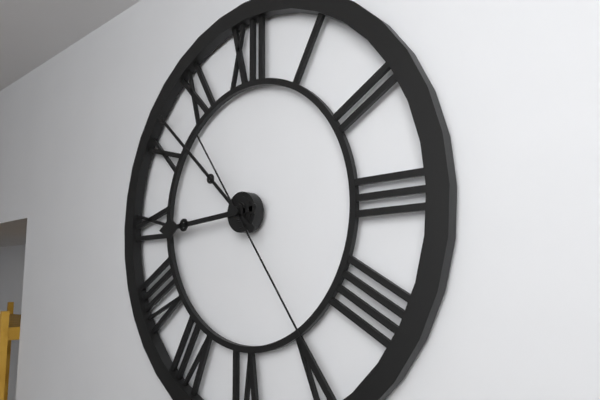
8:52:24
